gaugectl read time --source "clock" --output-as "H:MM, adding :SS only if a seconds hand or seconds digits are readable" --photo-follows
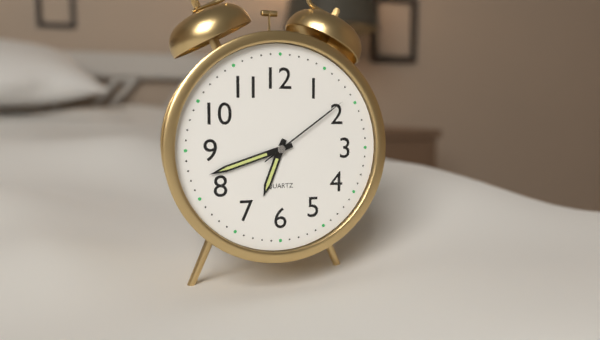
6:42:09
